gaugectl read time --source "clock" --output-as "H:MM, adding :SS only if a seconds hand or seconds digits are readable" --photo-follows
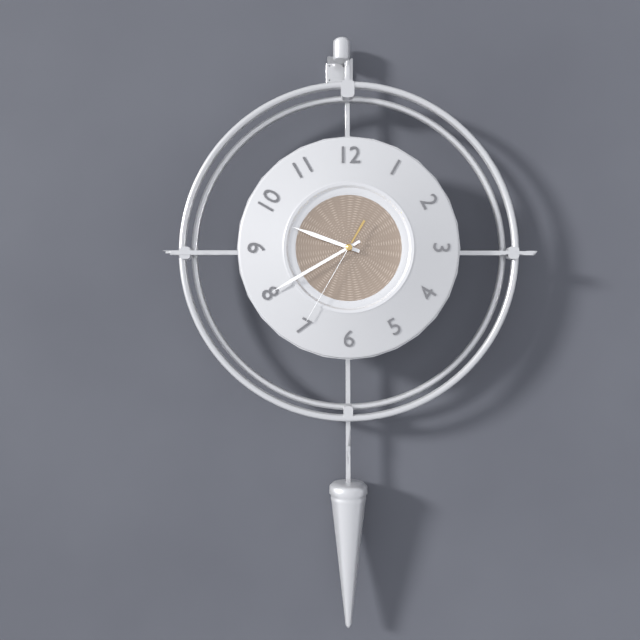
9:40:35
